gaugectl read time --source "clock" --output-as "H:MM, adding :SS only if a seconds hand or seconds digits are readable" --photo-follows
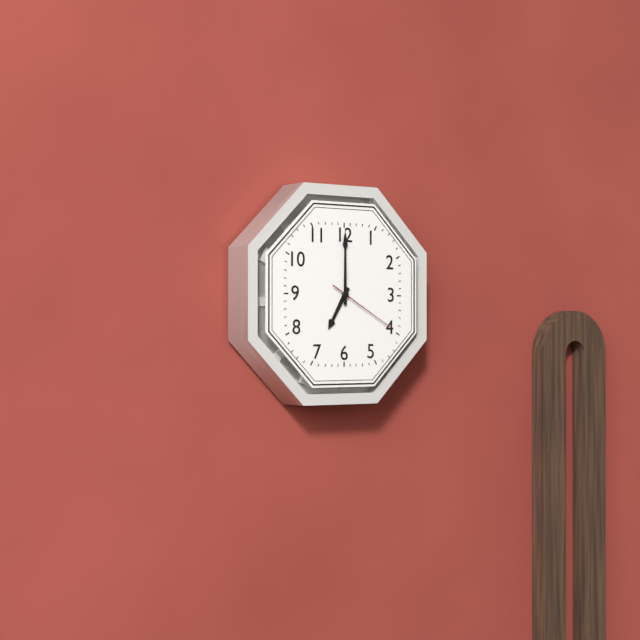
7:00:20
